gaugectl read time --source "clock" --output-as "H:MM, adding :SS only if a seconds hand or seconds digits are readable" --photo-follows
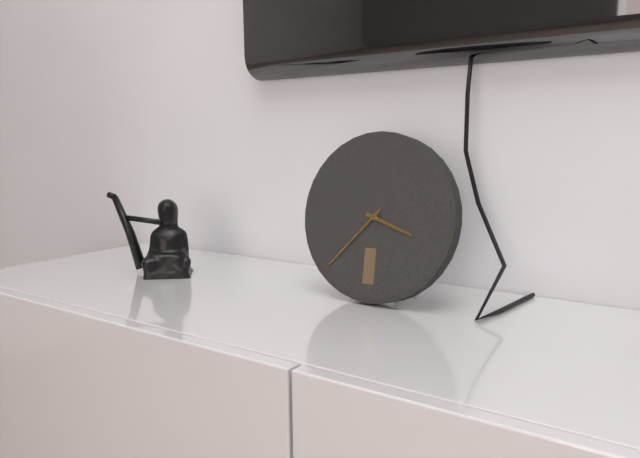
3:37
